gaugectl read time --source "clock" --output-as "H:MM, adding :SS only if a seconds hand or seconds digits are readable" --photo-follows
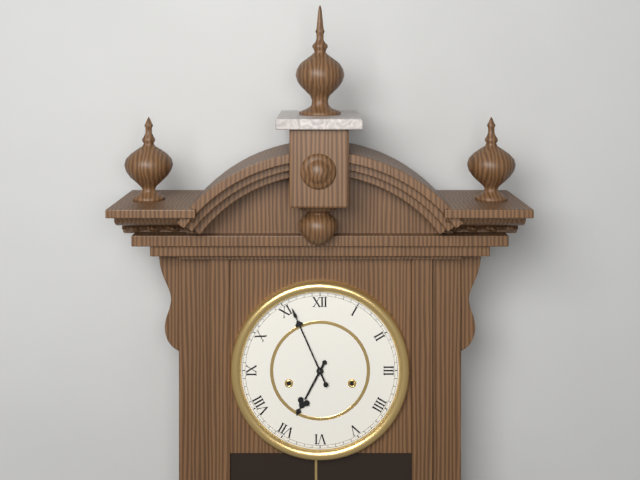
6:56
